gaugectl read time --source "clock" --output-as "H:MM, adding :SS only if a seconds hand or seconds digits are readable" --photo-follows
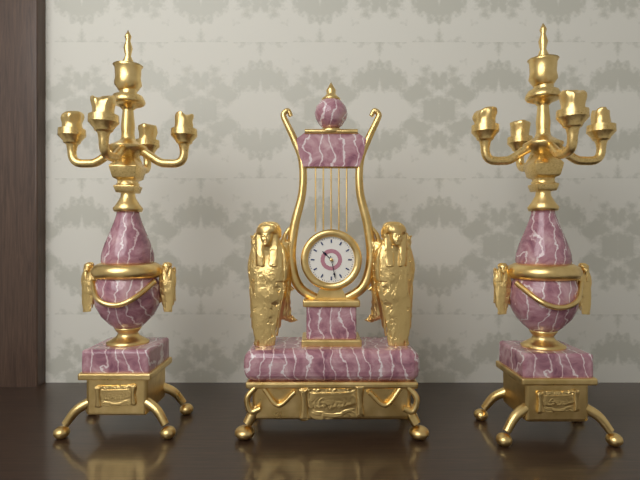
10:28
